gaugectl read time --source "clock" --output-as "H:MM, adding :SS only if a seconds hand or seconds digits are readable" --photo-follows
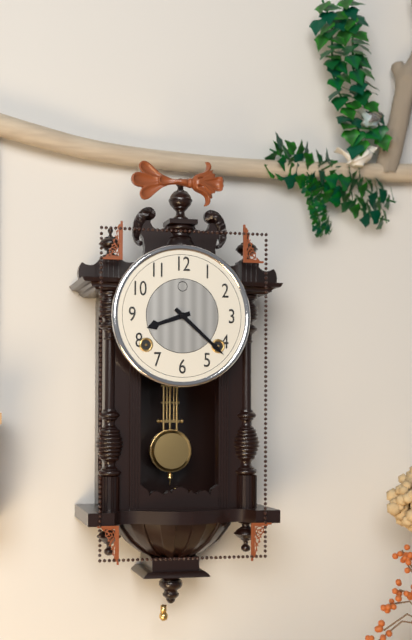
8:22
